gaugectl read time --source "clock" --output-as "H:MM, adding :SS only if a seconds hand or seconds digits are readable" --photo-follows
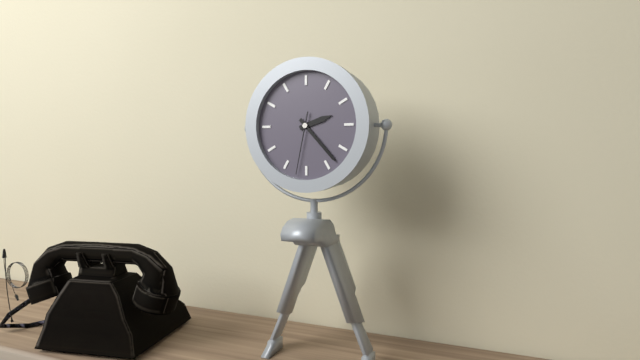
2:23:32
